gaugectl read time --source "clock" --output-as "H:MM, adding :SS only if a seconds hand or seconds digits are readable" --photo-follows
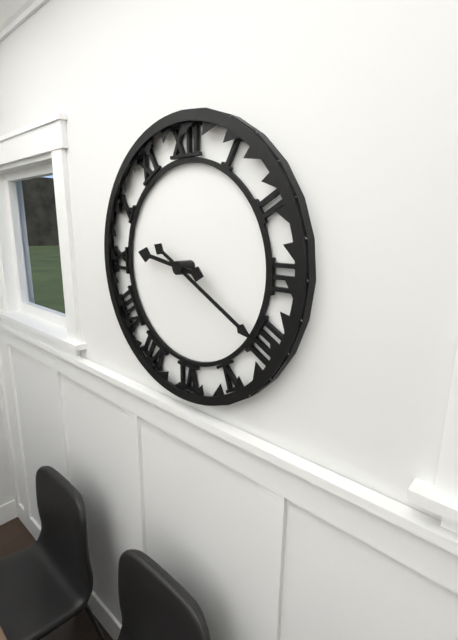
9:20
